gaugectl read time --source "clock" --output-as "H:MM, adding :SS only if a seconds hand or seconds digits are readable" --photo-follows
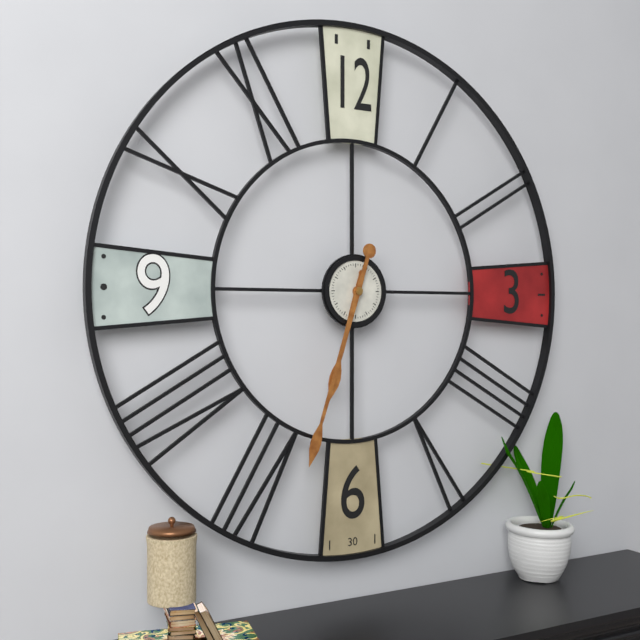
6:33
